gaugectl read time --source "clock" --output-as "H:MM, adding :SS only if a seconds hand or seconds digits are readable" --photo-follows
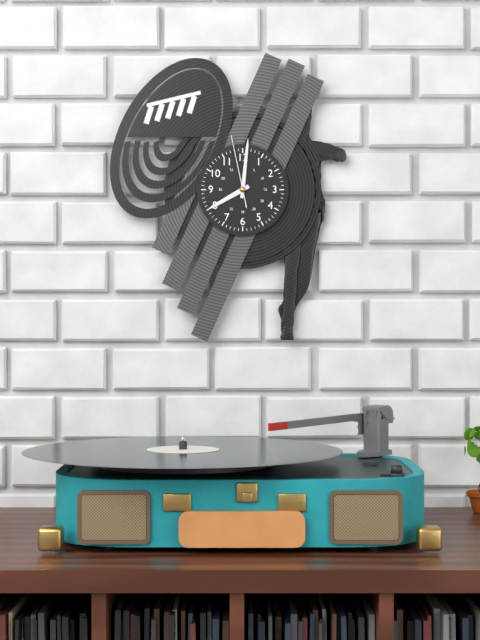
8:01:58
